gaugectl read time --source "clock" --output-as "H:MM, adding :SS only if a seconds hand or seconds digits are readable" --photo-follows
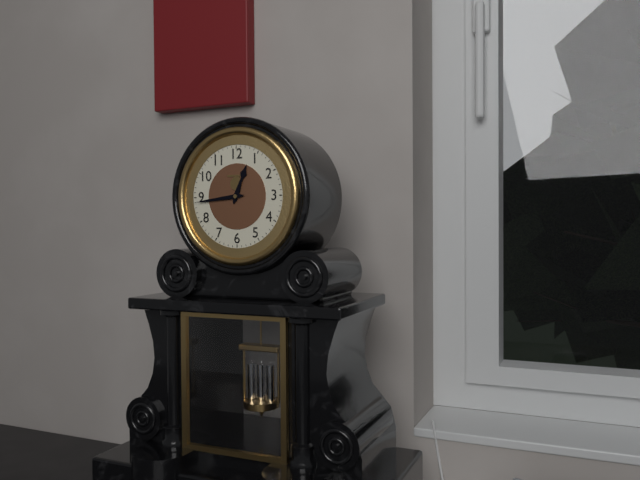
12:44
